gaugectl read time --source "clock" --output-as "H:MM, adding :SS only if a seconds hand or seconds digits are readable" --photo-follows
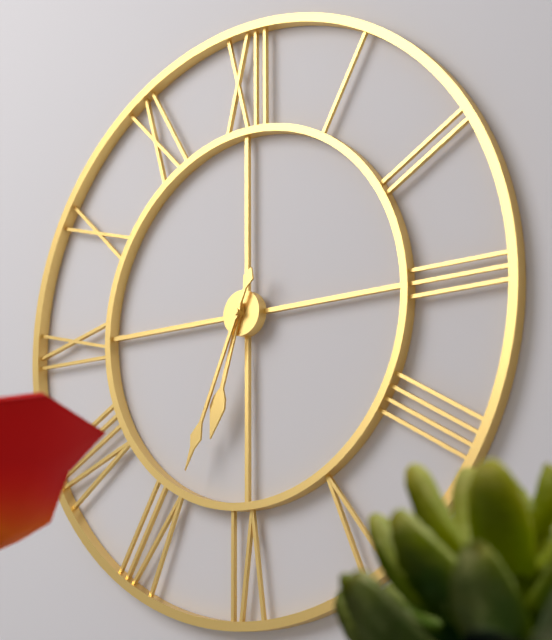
6:34
